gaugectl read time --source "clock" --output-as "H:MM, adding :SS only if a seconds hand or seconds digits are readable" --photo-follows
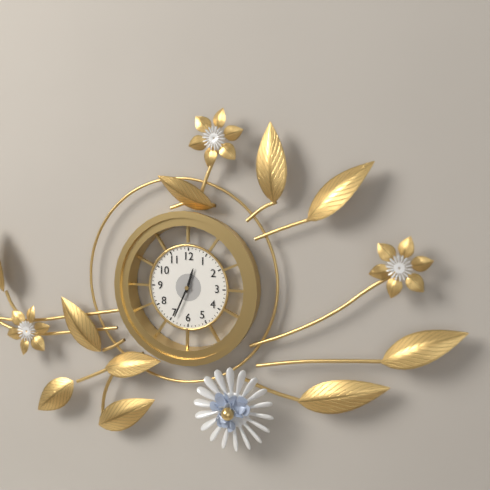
12:34
